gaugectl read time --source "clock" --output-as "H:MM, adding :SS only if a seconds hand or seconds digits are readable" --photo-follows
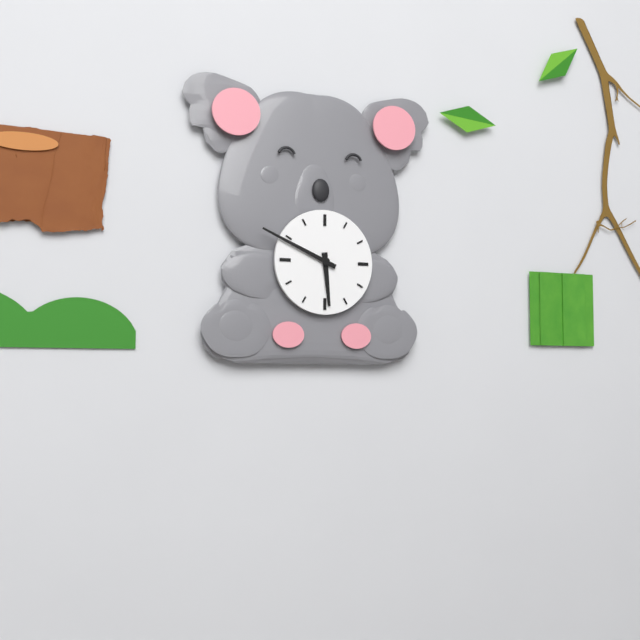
5:49
